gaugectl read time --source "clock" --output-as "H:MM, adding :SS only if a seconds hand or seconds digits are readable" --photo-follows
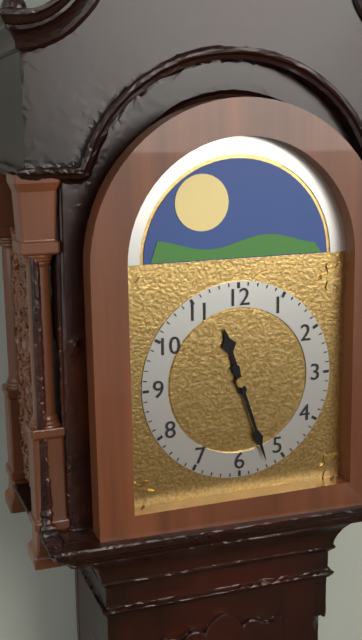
11:27
